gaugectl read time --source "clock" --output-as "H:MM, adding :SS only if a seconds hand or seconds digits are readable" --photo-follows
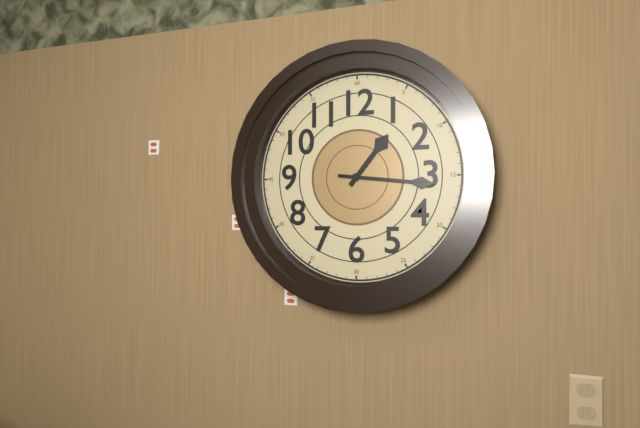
1:16
